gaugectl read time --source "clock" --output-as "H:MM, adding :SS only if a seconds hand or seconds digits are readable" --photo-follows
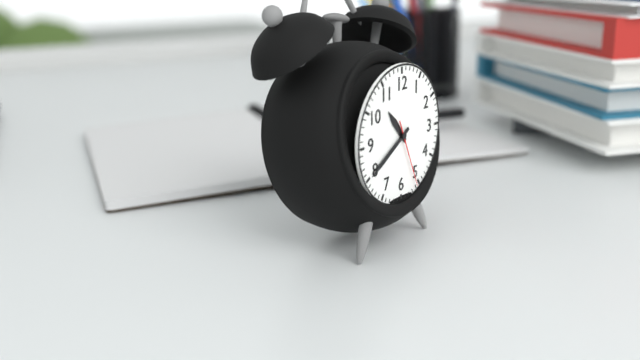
10:40:26
